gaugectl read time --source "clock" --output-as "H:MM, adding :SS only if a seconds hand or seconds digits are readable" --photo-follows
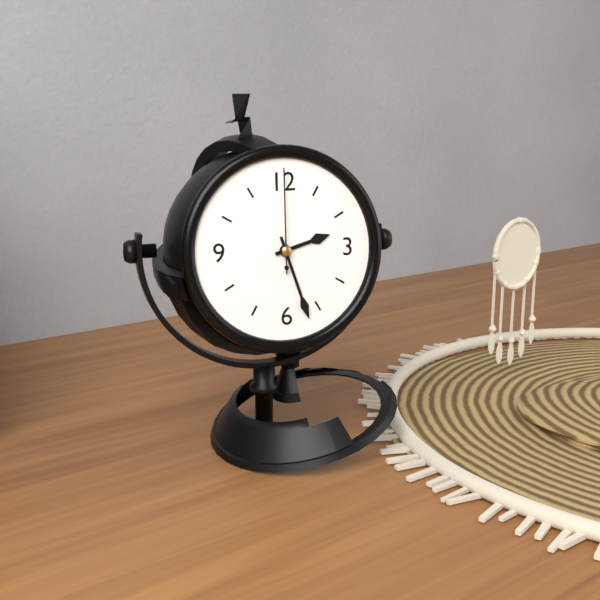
2:27:00
